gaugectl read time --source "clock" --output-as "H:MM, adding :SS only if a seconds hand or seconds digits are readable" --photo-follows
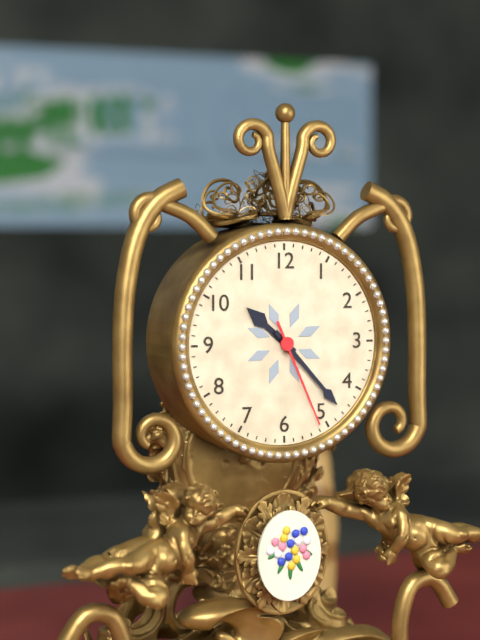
10:23:26
